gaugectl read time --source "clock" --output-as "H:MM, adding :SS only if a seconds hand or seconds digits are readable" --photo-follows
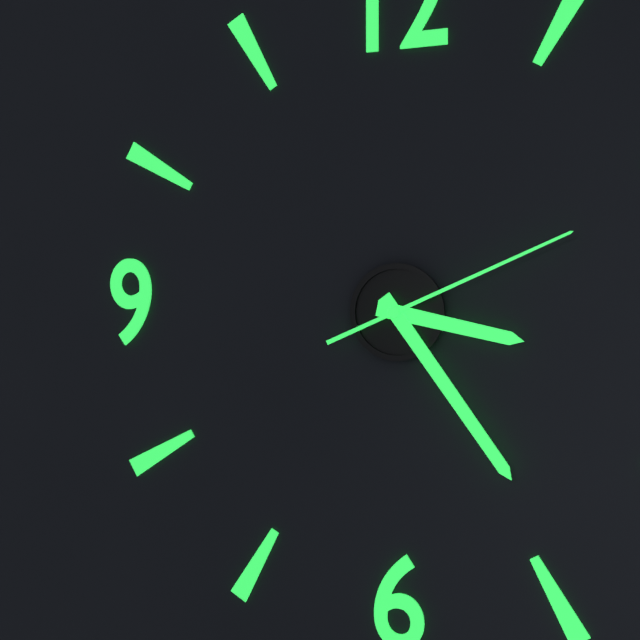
3:24:11
